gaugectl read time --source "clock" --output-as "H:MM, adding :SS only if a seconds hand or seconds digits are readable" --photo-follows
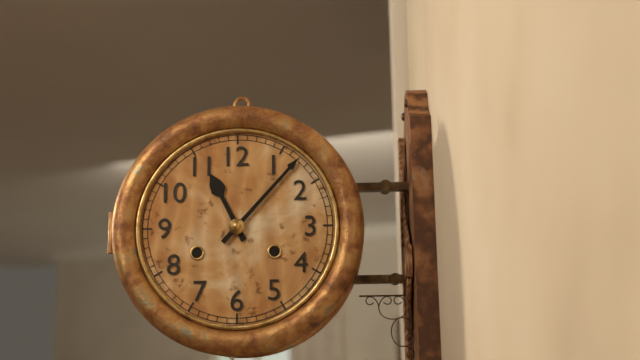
11:07
